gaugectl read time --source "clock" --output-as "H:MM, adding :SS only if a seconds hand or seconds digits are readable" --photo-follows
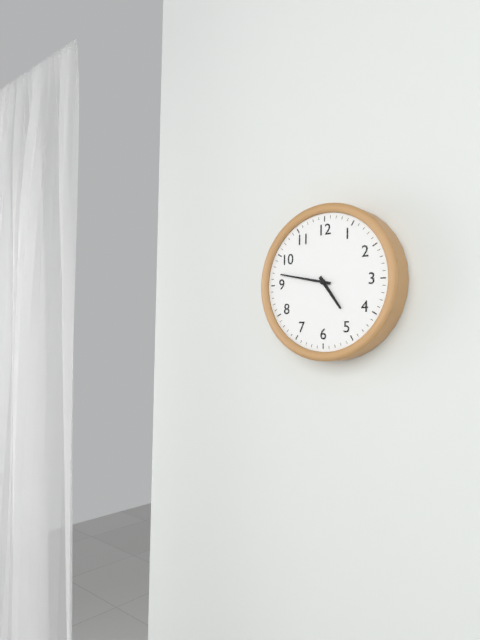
4:47
